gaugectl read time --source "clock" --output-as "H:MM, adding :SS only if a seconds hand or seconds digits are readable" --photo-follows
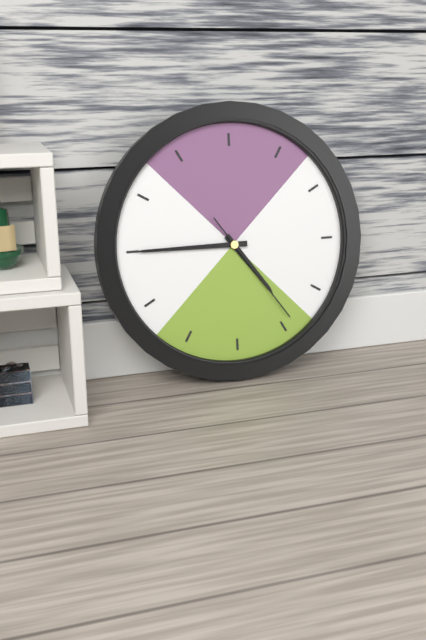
4:45:24
